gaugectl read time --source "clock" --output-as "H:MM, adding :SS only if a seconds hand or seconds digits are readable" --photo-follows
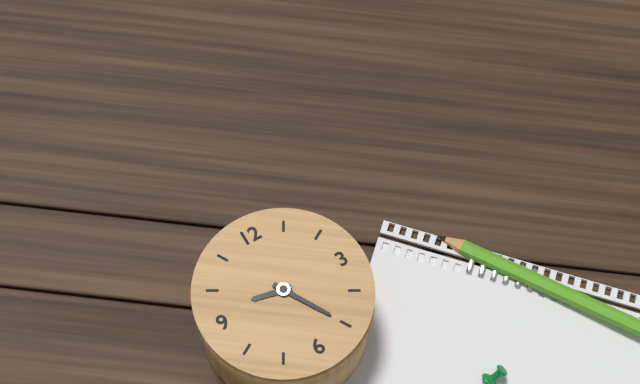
9:25
